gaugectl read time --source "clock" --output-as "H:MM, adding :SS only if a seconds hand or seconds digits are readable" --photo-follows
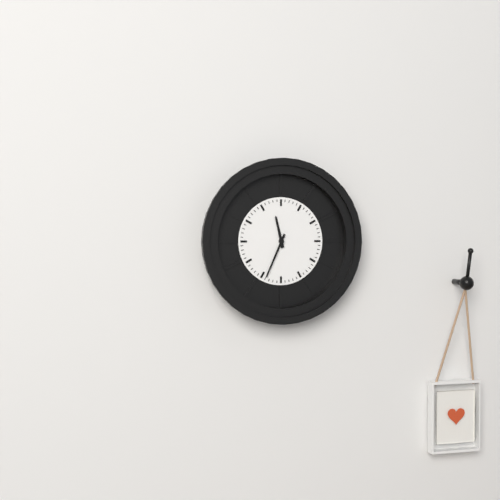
11:34
